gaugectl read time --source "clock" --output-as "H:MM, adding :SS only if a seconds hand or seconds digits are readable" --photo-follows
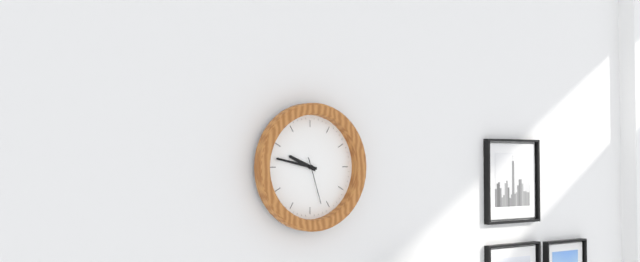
9:47
